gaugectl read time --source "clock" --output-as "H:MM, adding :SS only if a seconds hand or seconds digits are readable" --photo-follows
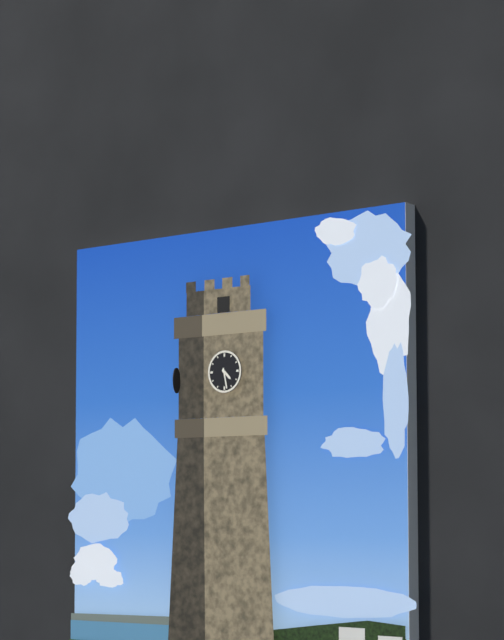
4:28
